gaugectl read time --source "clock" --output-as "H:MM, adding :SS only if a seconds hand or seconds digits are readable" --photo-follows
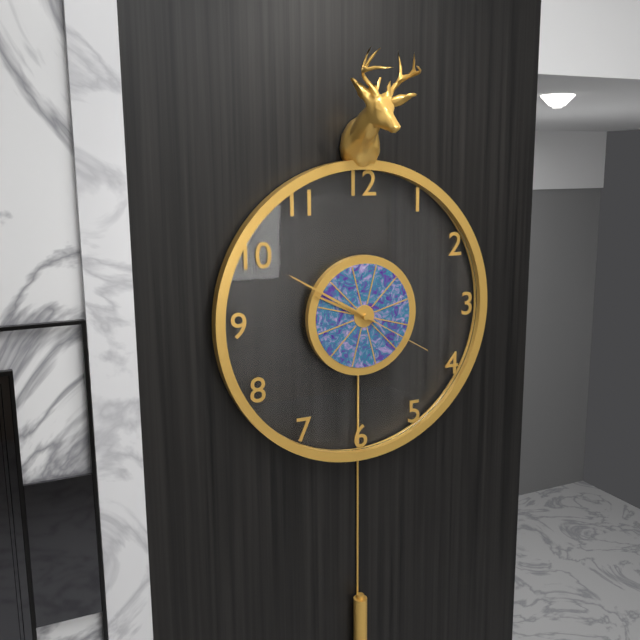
9:50:20
